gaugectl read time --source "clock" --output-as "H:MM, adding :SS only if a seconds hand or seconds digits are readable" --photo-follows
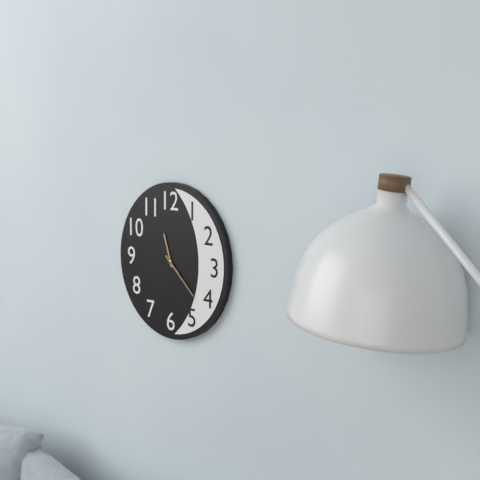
11:22
